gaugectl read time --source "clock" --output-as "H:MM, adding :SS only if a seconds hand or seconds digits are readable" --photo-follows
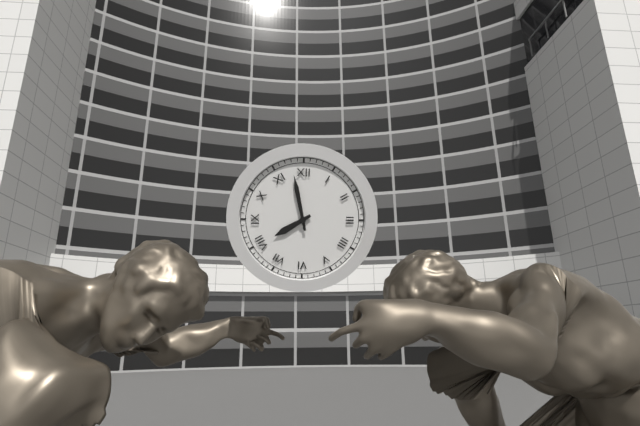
7:58
